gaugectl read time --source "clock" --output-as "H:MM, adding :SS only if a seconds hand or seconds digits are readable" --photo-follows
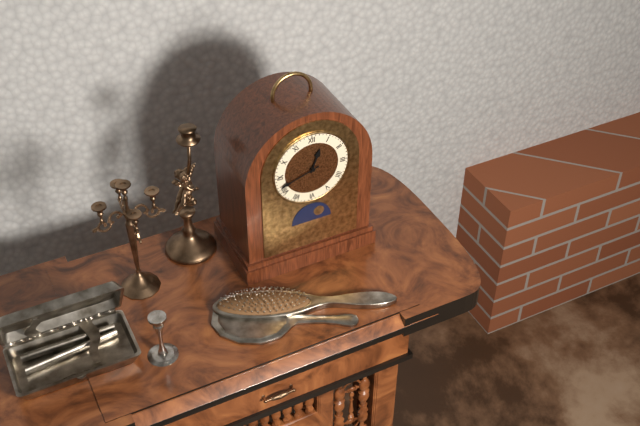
12:42
